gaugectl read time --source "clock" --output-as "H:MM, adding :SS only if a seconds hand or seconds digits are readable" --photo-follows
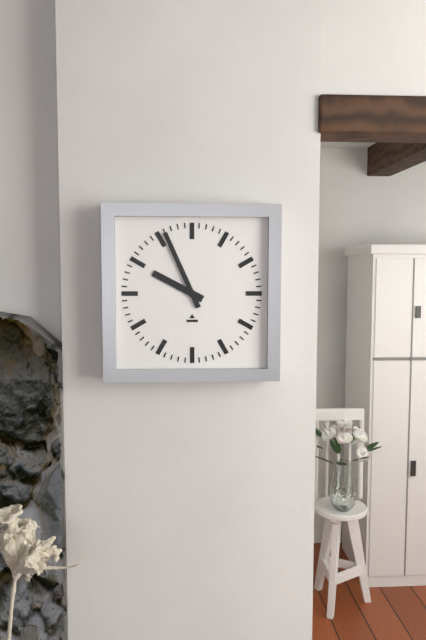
9:56
